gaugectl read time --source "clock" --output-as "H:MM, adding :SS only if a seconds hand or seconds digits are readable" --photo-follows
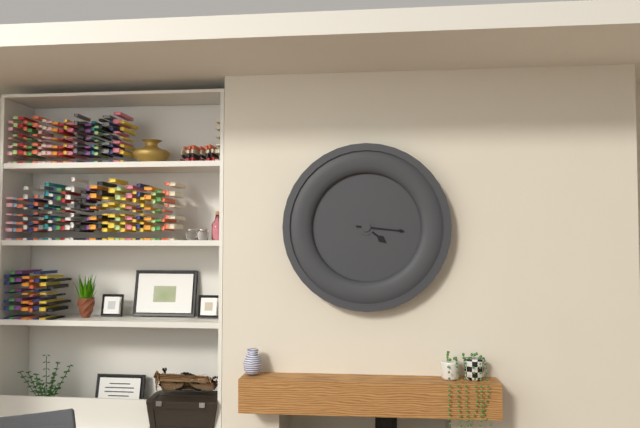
4:16
